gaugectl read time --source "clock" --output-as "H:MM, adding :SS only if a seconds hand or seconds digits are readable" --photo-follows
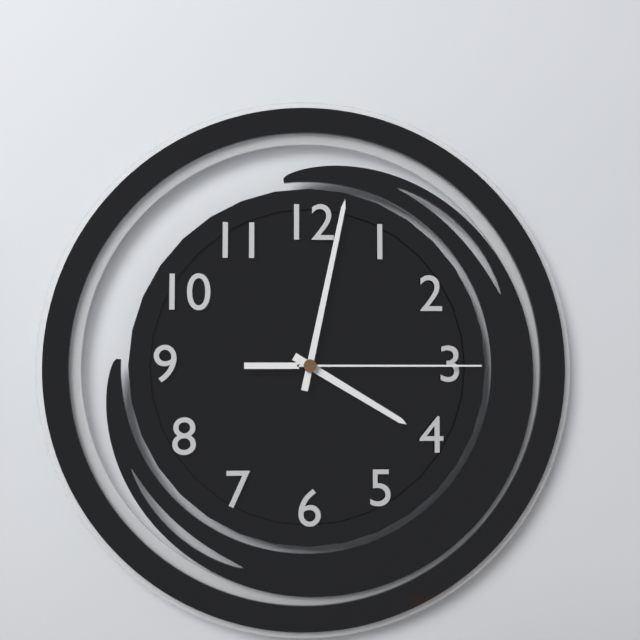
4:02:15
